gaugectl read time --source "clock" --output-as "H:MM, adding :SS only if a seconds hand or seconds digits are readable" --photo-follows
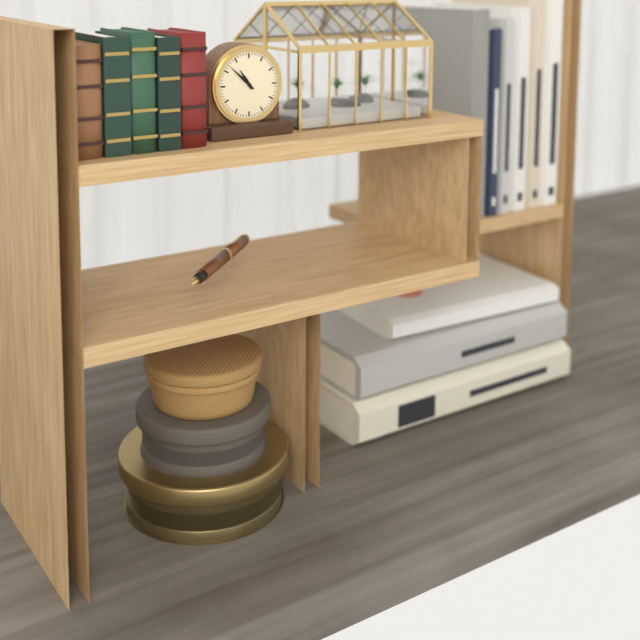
10:52
